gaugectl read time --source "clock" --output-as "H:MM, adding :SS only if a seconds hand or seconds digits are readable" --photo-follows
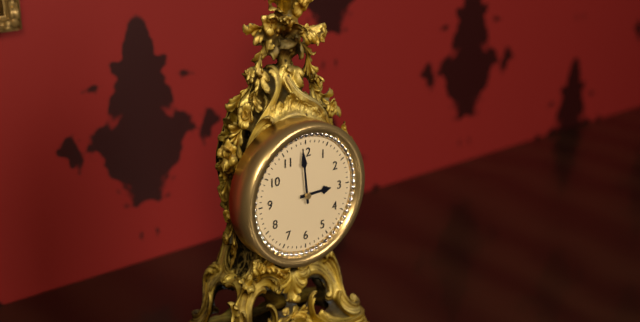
2:59
